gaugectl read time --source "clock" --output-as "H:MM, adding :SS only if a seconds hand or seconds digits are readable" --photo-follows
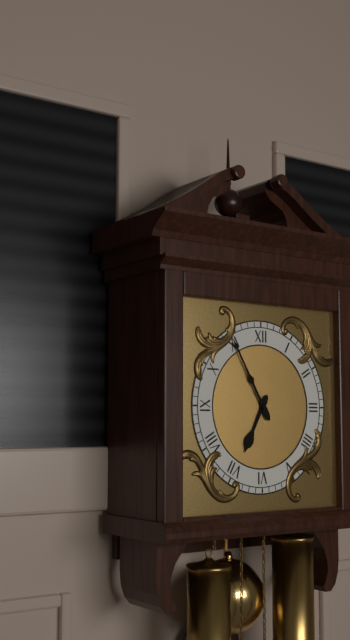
6:55
